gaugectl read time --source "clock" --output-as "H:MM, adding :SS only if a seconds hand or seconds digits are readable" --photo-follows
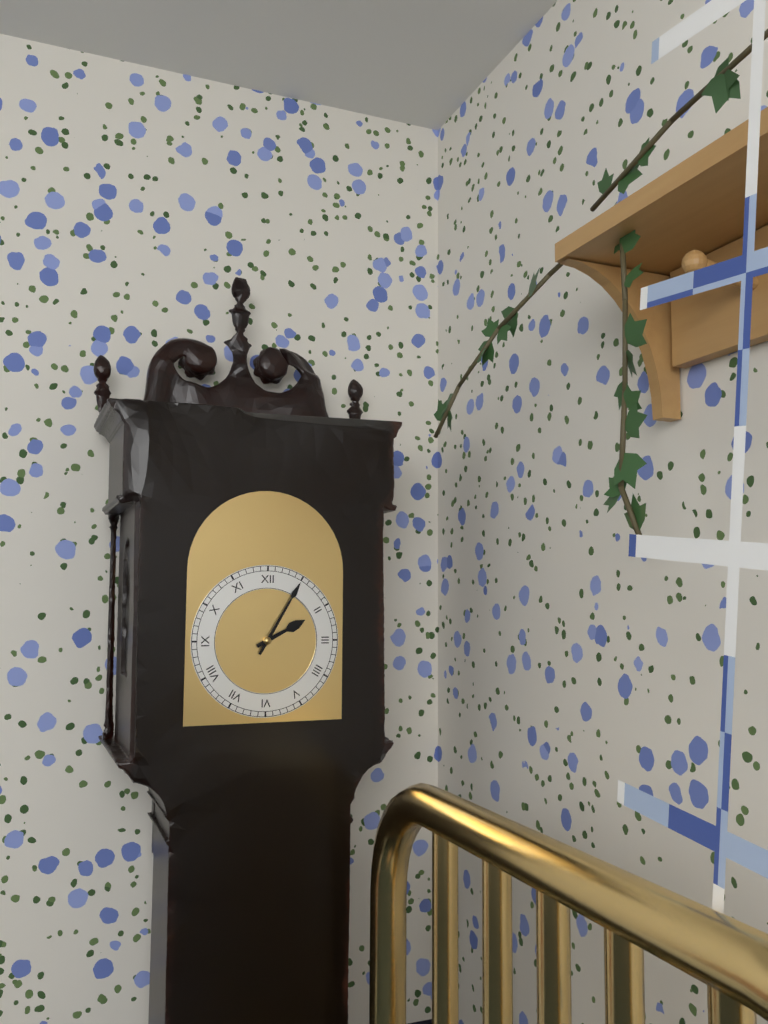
2:05
